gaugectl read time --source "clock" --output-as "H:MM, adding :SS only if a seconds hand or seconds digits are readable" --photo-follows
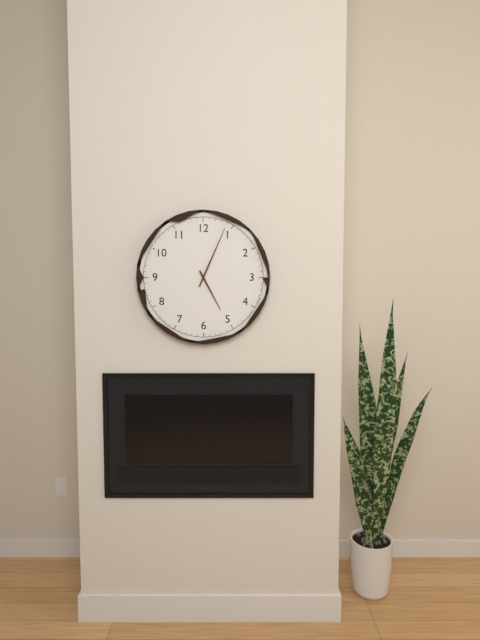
5:04
